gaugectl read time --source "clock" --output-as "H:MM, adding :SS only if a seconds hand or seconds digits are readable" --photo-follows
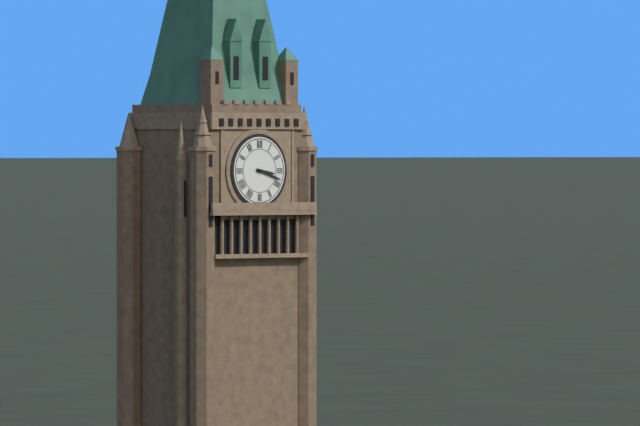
3:18
